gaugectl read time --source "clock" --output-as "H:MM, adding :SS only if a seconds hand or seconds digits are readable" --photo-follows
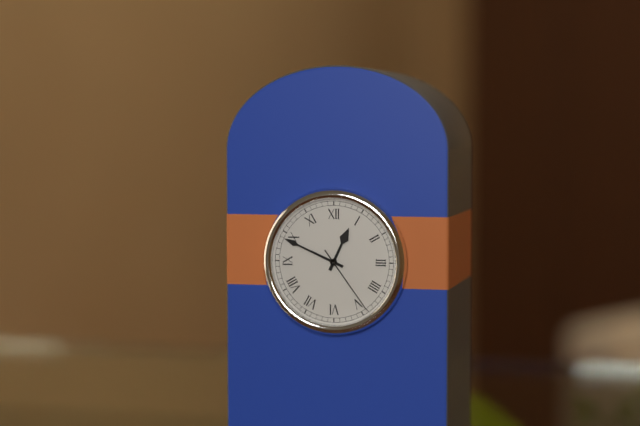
12:49:24
